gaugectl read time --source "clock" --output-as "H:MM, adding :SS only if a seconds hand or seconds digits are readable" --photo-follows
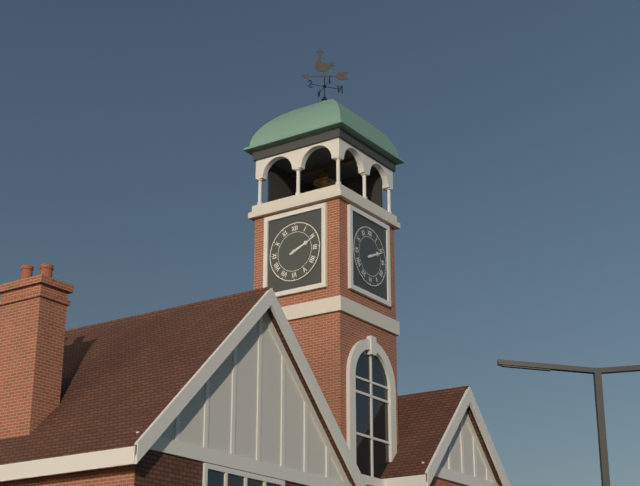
2:11
